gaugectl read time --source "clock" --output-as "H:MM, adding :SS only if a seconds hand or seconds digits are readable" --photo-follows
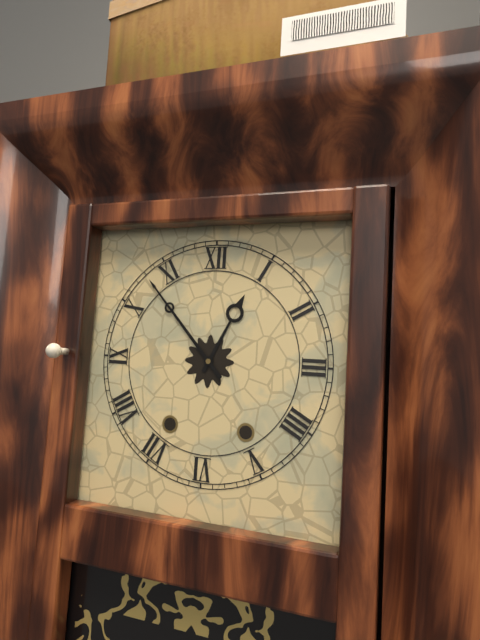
12:53
